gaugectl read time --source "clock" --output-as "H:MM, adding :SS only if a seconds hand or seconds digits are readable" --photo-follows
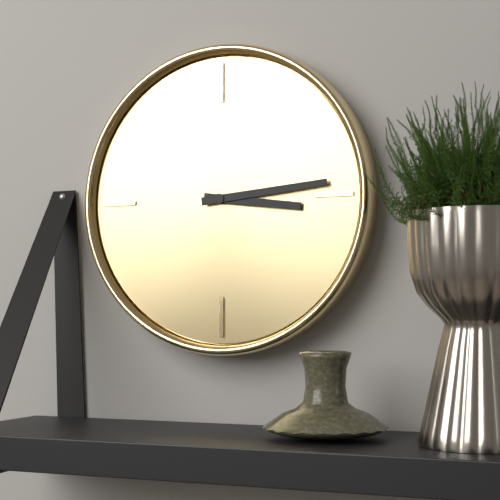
3:14
